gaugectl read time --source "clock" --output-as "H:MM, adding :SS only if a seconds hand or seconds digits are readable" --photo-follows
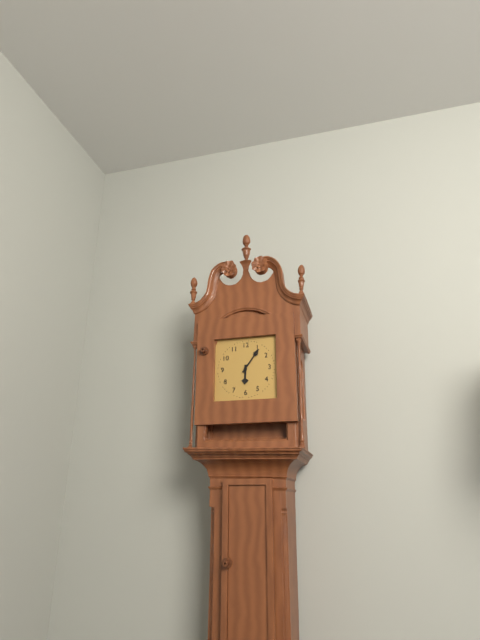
6:06
